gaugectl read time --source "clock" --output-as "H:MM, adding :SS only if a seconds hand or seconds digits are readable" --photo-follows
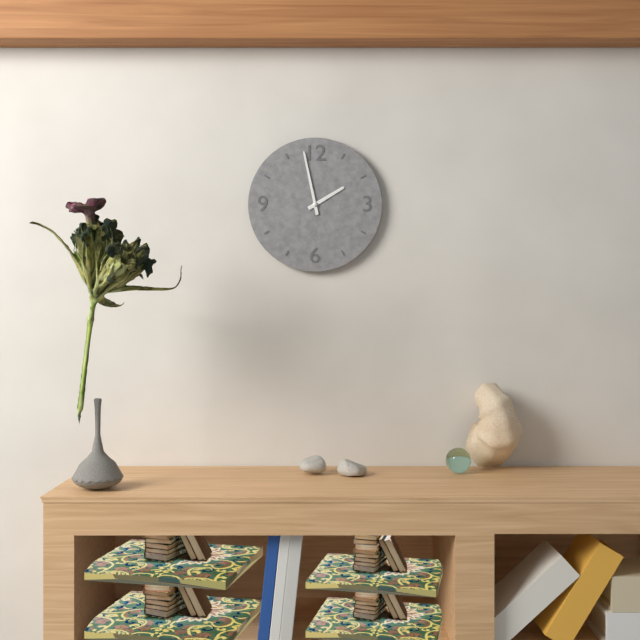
1:58
